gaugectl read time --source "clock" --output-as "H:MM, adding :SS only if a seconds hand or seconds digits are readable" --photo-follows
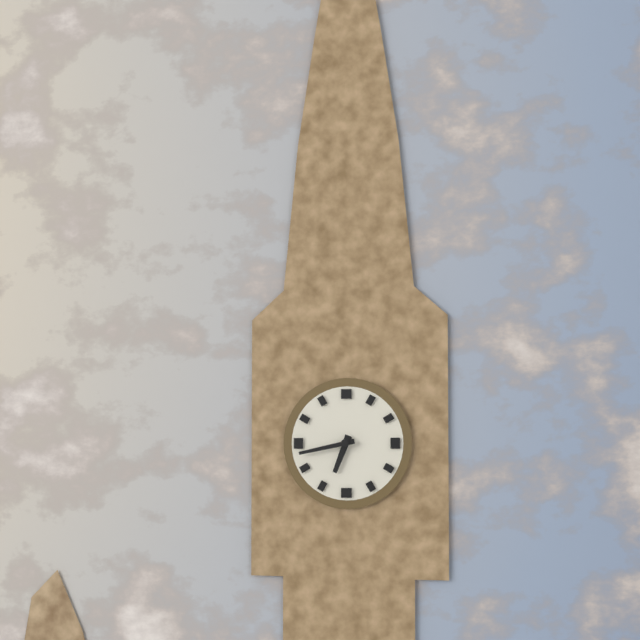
6:43
